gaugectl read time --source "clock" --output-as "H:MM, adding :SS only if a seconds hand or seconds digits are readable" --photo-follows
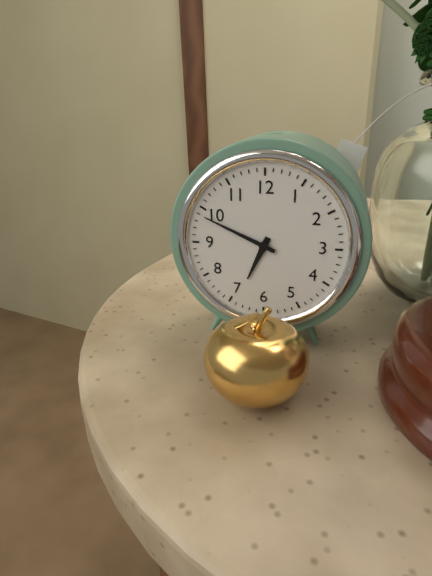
6:49
